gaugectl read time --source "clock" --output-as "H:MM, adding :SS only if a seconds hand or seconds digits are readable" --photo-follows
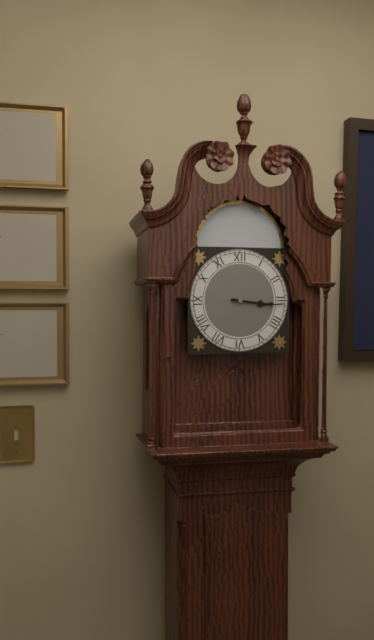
3:16
